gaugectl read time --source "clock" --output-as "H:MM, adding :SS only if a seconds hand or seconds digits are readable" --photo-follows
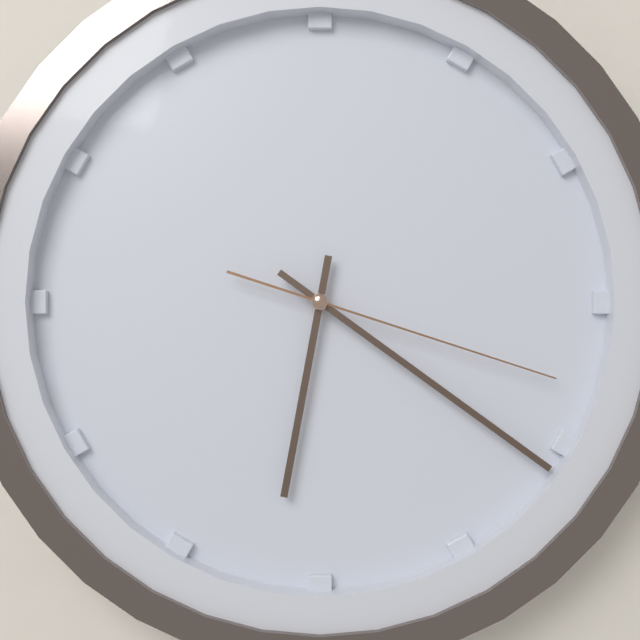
6:21:18
